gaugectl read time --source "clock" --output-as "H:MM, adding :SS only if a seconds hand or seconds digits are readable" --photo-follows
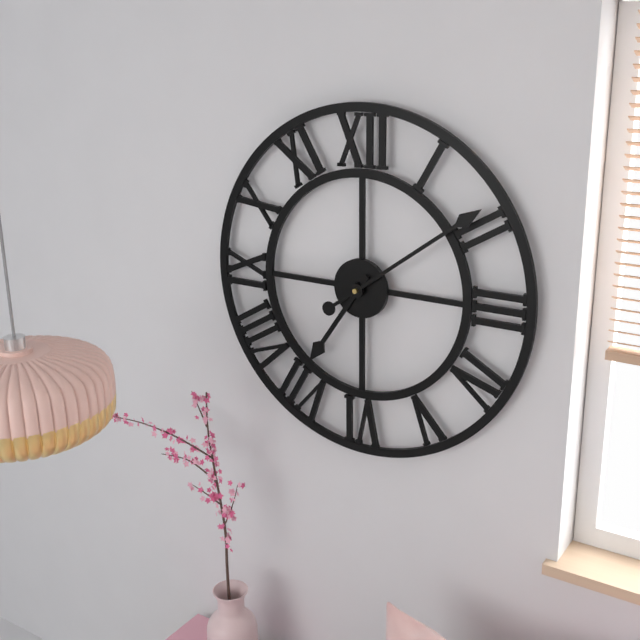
7:09
